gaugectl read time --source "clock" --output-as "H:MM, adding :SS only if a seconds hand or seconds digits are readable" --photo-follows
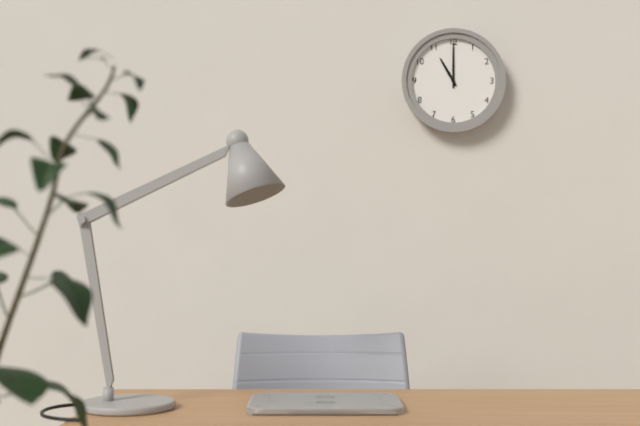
11:00
